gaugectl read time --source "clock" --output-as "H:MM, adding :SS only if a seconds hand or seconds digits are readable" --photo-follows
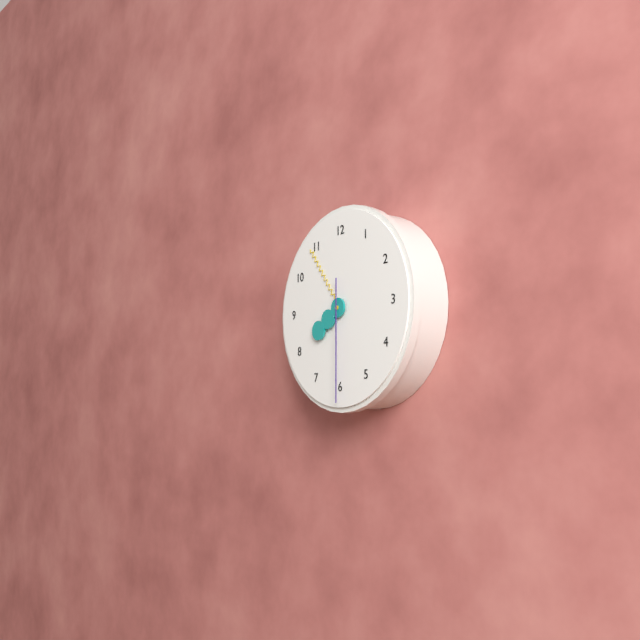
7:54:30
